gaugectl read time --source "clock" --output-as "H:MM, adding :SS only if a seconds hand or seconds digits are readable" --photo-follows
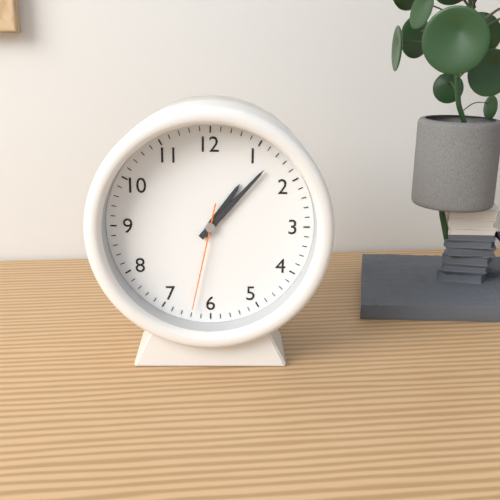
1:07:32
